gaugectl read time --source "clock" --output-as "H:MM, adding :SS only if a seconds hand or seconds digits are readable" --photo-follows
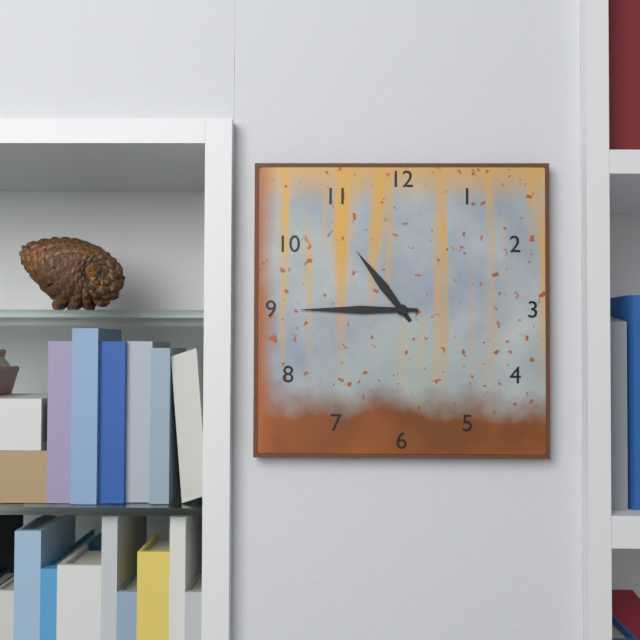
10:45
